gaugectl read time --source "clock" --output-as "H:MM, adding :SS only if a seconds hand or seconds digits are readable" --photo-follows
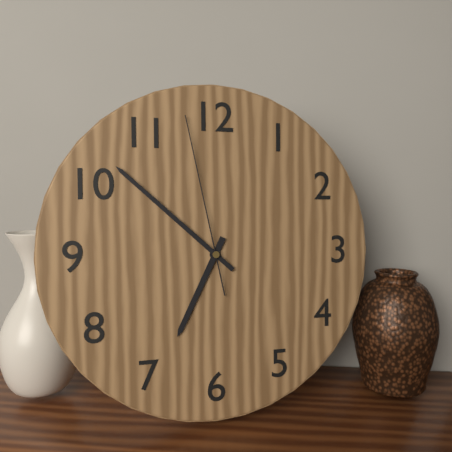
6:52:58
